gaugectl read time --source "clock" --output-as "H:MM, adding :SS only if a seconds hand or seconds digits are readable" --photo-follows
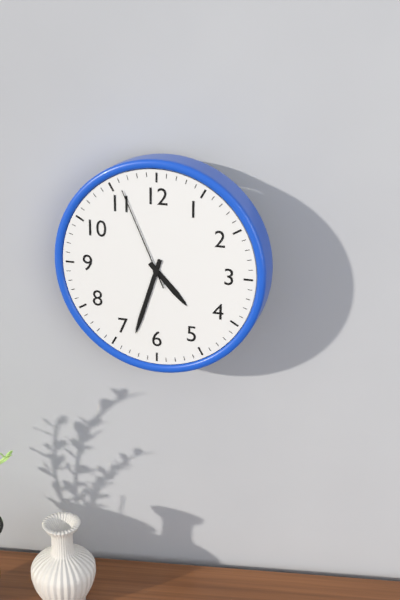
4:33:56
